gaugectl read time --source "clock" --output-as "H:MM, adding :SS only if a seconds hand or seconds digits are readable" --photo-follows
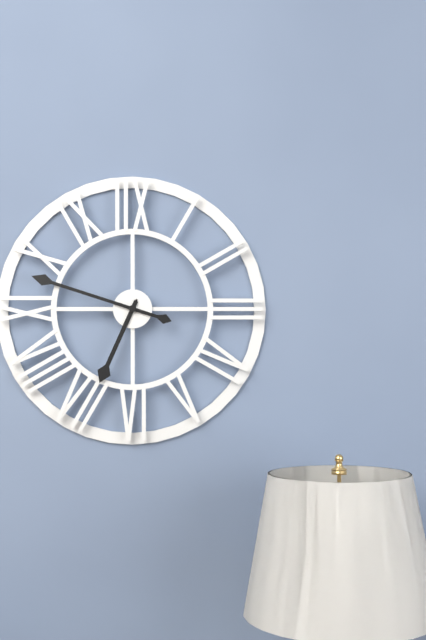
6:48
